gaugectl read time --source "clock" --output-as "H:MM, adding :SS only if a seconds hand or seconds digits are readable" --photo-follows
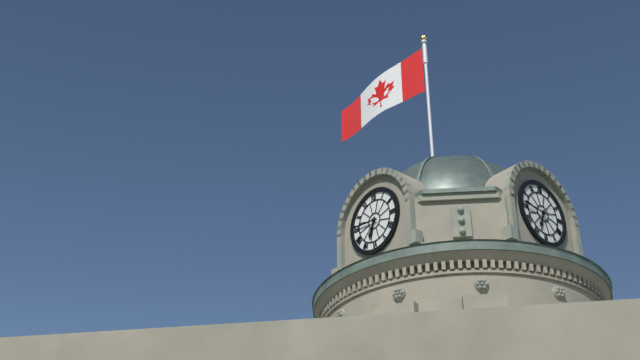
6:46
